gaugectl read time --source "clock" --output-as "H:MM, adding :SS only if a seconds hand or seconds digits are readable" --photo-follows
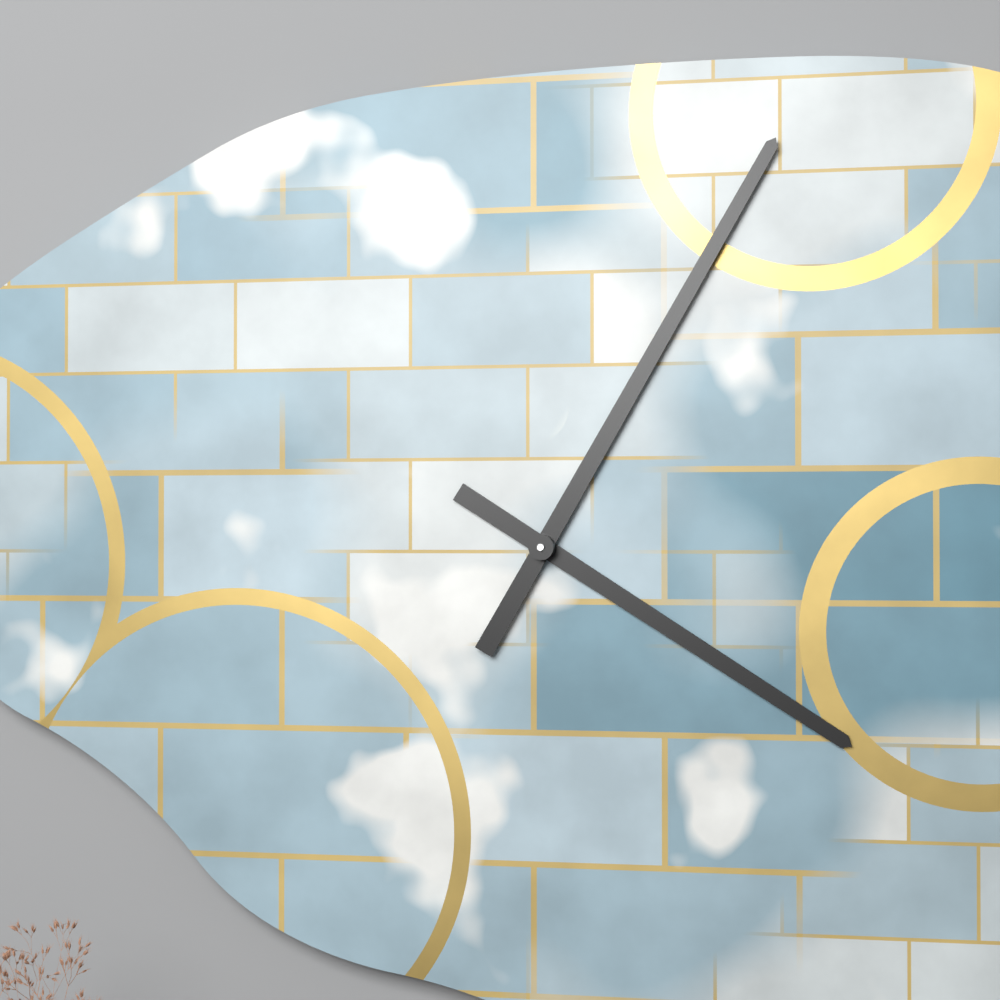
4:05
